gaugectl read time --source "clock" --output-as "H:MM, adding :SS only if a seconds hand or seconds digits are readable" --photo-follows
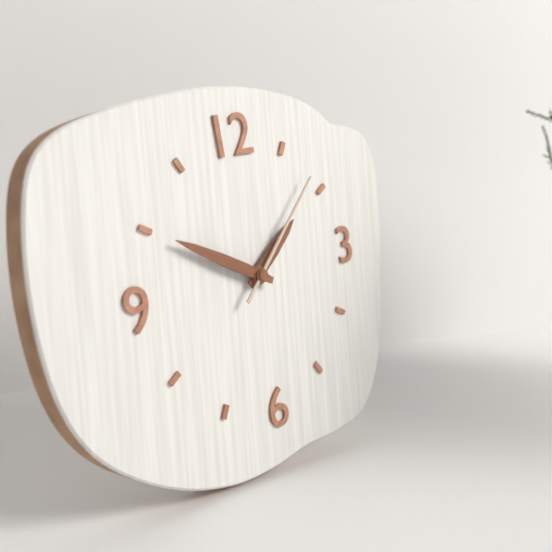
1:50:08
